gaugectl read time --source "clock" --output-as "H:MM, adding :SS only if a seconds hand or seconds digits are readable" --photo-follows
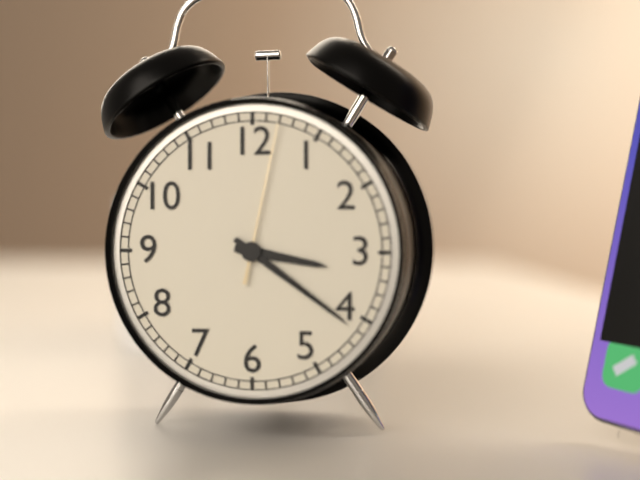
3:21:02
